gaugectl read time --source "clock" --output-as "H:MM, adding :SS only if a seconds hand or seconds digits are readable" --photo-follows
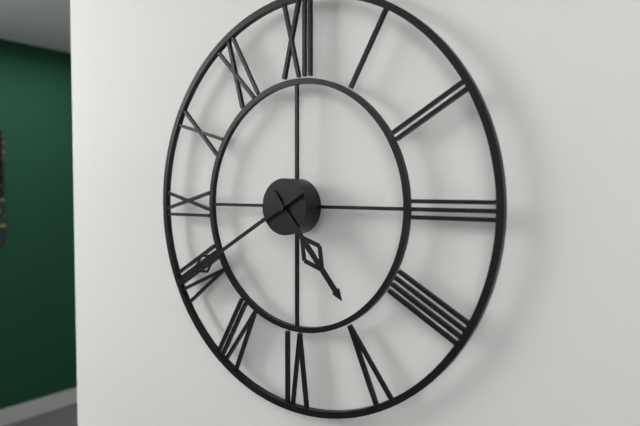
4:40
